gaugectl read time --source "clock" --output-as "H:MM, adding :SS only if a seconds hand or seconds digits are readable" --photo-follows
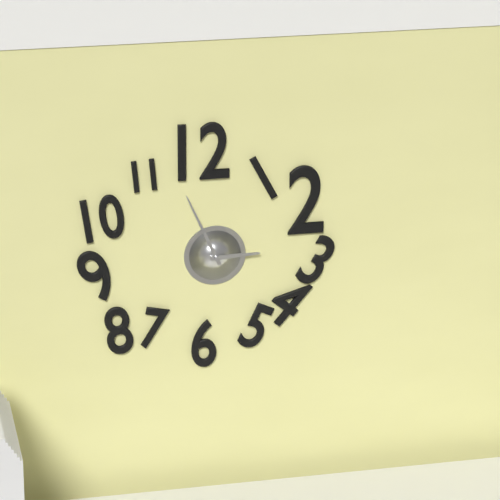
2:56
